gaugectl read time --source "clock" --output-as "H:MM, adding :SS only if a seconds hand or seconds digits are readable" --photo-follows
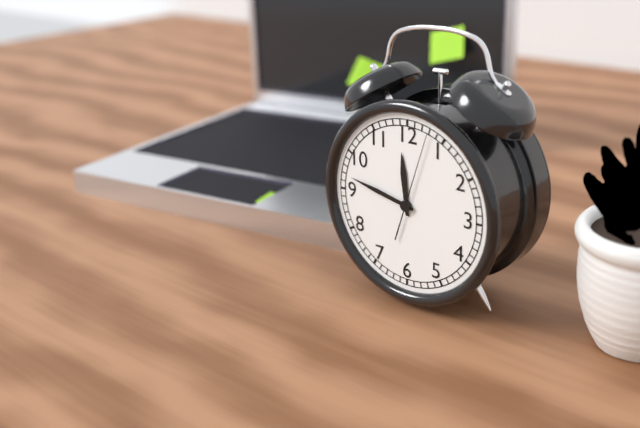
11:47:03
